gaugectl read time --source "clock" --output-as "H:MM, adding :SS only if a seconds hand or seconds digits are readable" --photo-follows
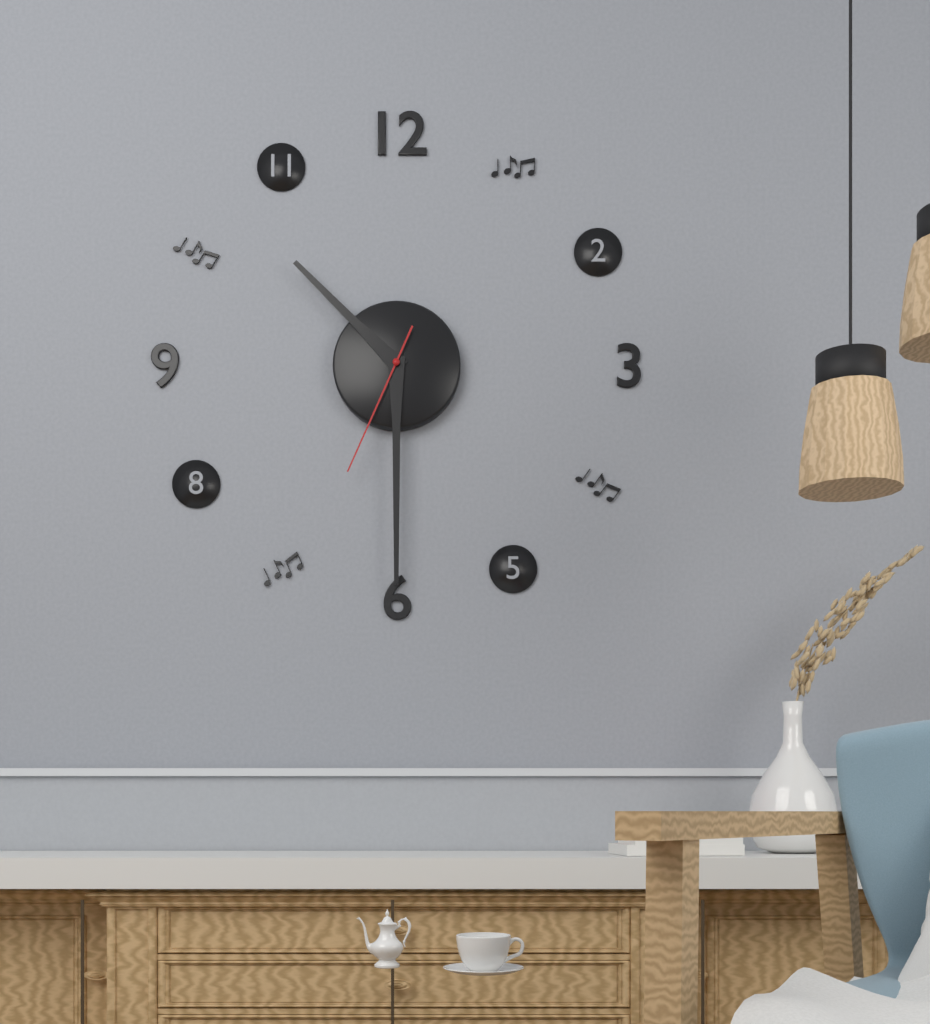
10:30:34
